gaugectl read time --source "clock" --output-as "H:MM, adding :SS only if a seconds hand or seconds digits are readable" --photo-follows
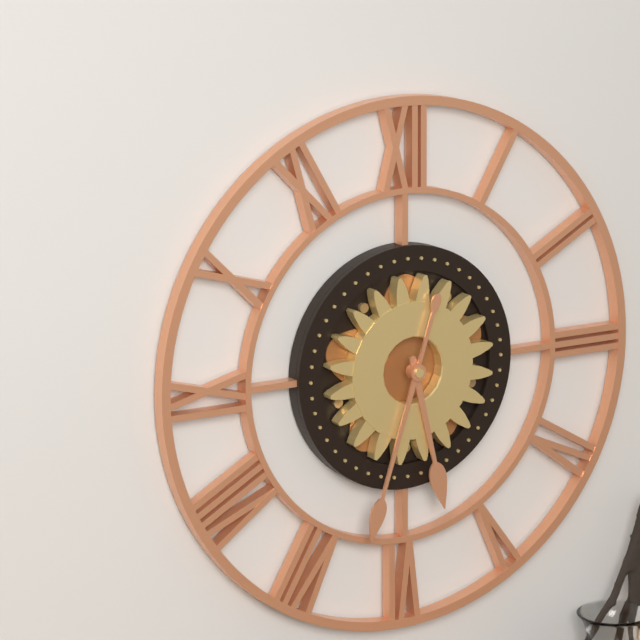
5:33
